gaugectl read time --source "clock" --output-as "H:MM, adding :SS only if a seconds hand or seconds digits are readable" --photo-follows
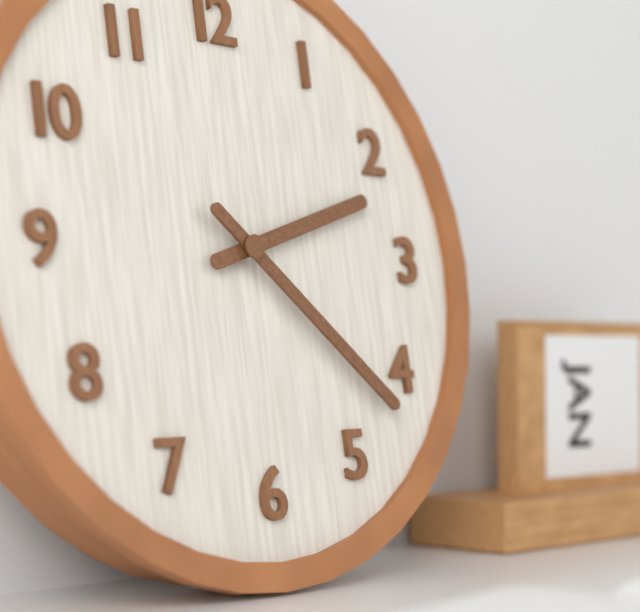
2:22
